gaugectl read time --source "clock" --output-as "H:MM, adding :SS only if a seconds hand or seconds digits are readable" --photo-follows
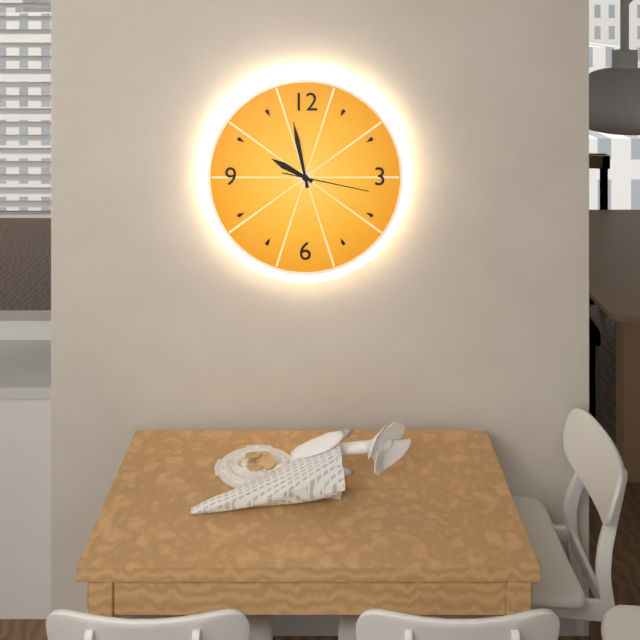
9:58:17
